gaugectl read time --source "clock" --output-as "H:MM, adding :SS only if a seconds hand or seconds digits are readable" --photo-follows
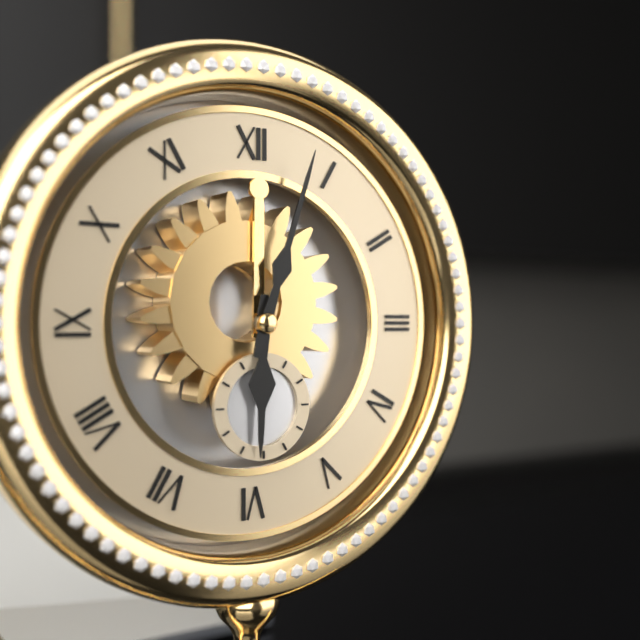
6:03
